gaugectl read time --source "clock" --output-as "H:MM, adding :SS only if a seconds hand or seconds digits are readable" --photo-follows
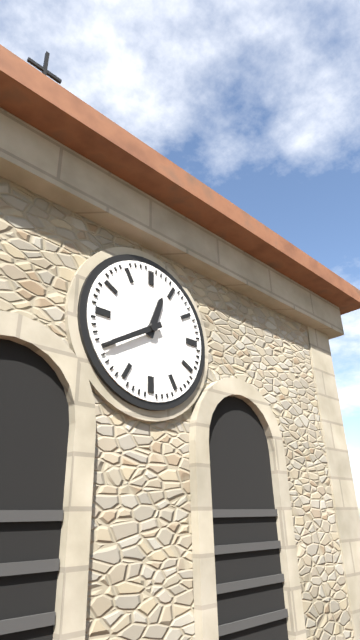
12:40
